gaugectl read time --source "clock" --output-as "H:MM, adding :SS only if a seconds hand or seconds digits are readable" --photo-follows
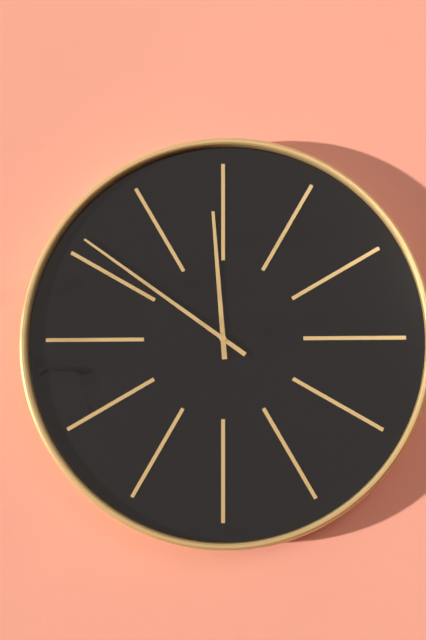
11:51
